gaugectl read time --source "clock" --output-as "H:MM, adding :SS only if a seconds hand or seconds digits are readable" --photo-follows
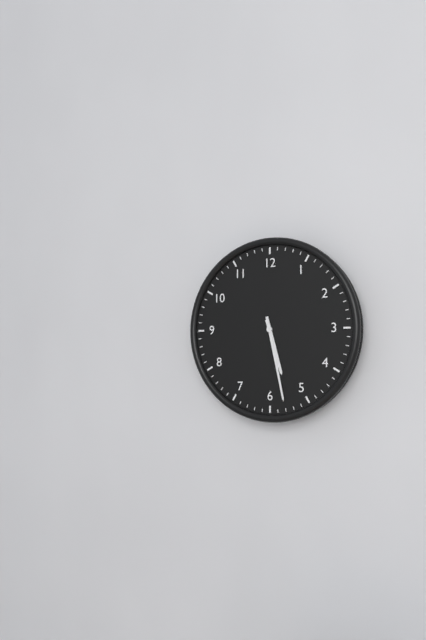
5:28
